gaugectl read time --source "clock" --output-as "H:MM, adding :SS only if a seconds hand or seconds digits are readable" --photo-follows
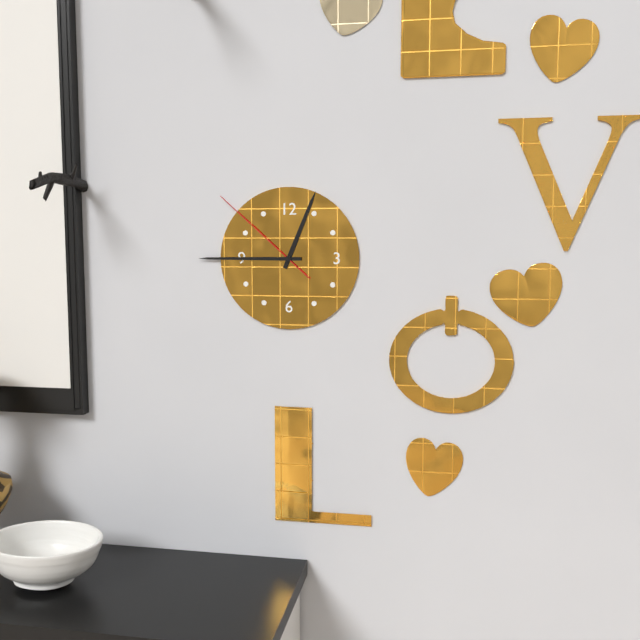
12:45:52
